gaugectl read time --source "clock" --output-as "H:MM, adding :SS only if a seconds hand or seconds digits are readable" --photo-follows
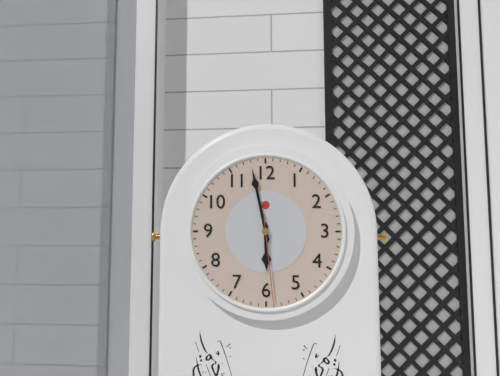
5:58:29
